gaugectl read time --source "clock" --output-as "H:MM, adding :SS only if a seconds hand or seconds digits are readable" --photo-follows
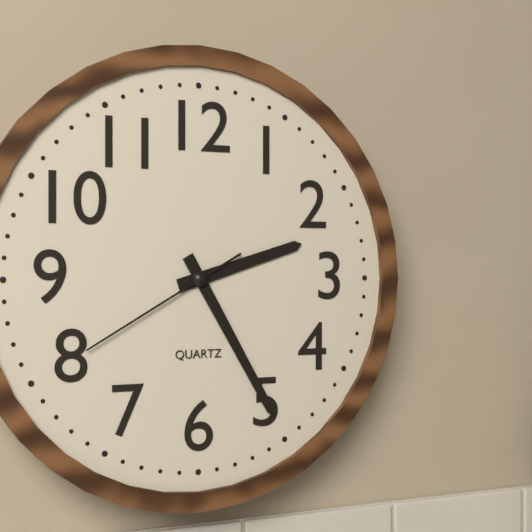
2:25:40
